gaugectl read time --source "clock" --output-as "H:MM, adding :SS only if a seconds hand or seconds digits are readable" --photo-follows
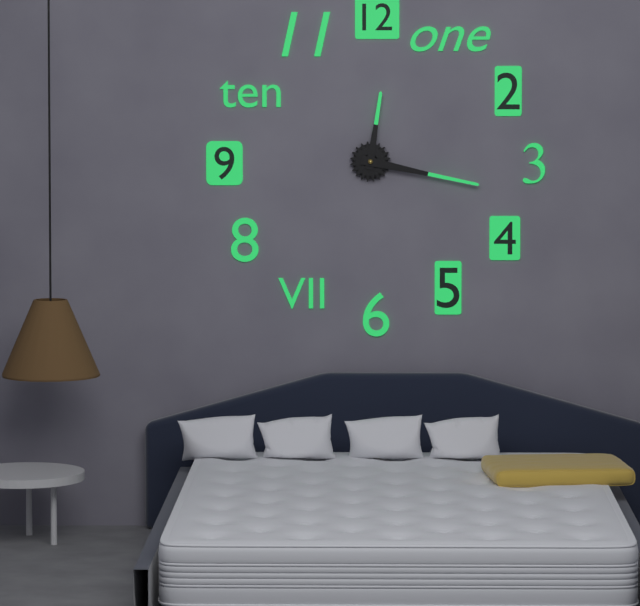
12:17
